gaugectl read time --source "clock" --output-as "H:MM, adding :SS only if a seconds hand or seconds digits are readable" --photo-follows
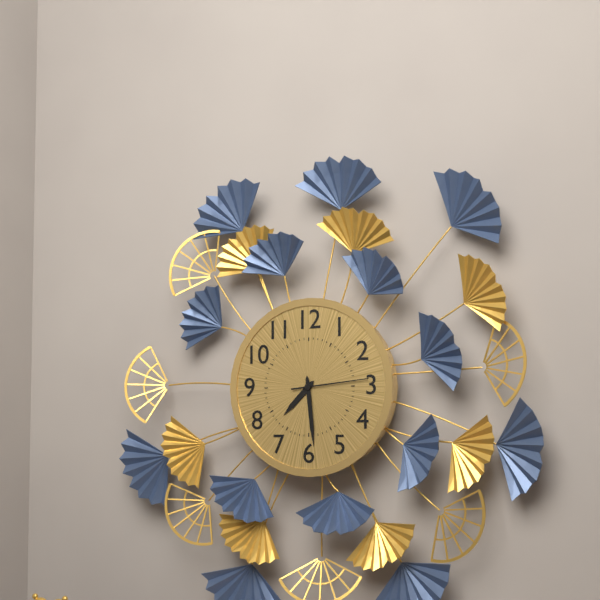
7:29:14
